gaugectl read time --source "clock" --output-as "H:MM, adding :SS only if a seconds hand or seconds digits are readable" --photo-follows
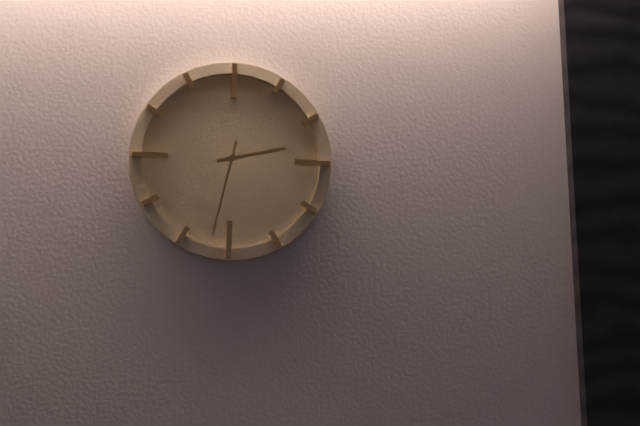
2:32
